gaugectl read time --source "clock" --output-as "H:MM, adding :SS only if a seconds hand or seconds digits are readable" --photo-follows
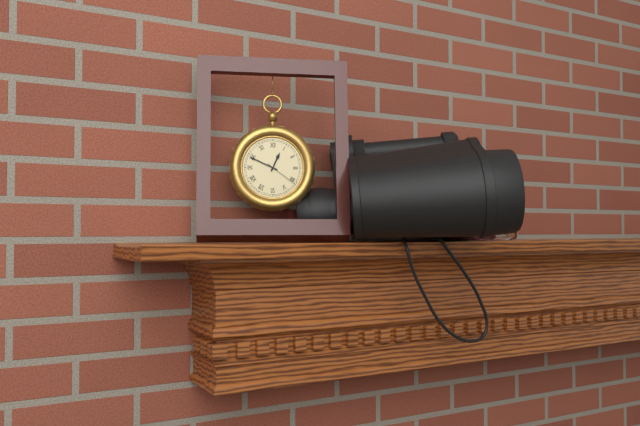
12:49
